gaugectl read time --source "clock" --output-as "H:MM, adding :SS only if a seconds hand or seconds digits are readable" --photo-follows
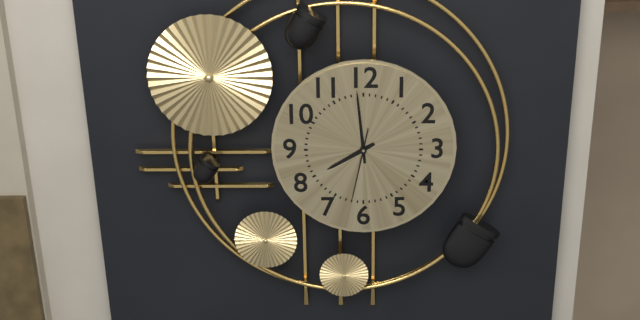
7:59:32
